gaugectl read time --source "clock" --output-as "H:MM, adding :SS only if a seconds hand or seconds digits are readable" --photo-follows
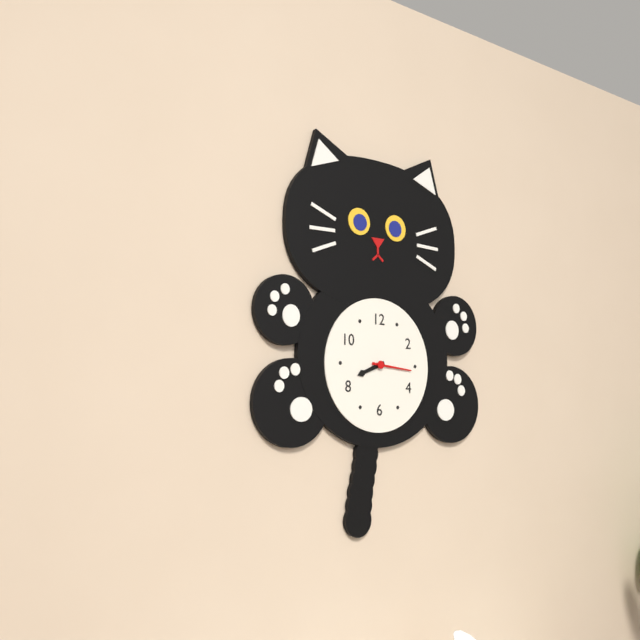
8:16
